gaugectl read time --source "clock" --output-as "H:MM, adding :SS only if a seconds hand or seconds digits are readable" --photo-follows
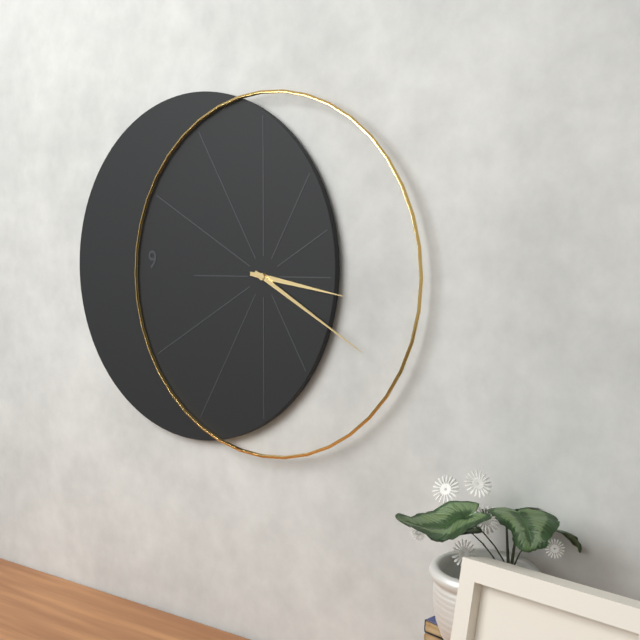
3:20
